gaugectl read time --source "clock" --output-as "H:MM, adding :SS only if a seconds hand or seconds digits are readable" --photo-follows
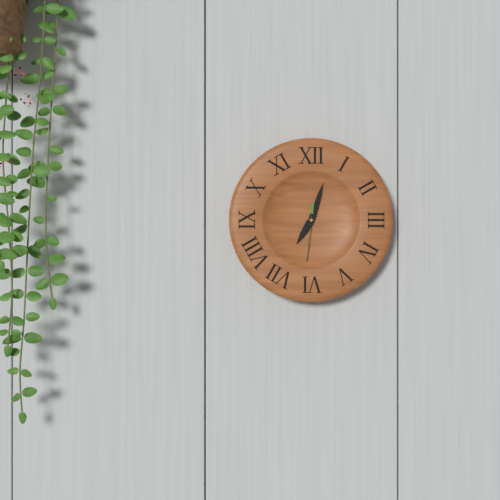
7:03:31
